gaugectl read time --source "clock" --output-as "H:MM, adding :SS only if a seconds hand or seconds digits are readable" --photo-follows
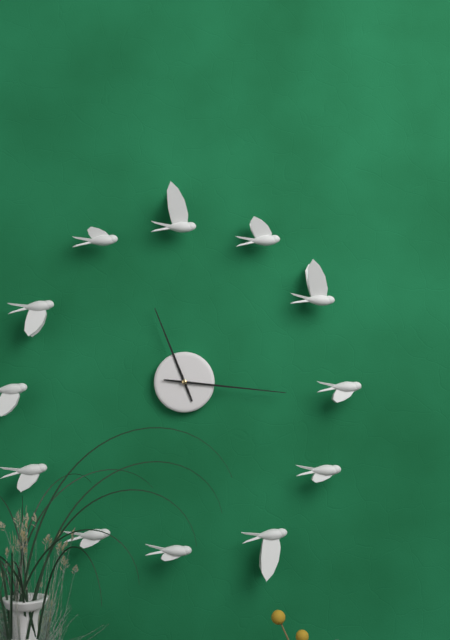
11:16
